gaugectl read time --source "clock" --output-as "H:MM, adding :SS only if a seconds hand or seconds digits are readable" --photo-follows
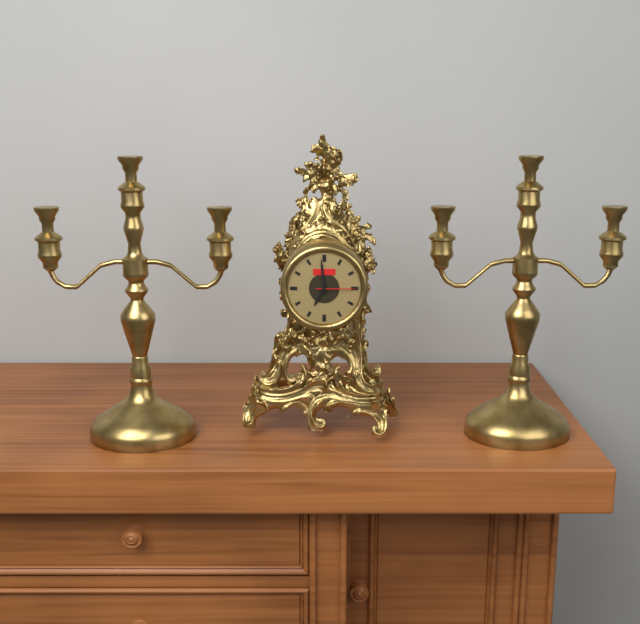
6:59
